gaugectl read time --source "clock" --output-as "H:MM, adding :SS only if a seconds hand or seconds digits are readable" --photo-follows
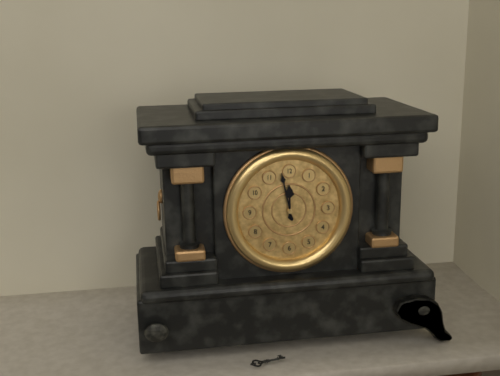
11:58
